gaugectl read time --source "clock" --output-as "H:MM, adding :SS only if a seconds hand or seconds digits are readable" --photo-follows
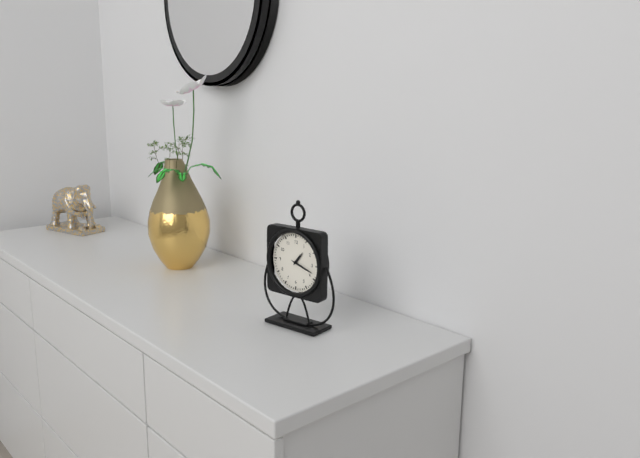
1:18
